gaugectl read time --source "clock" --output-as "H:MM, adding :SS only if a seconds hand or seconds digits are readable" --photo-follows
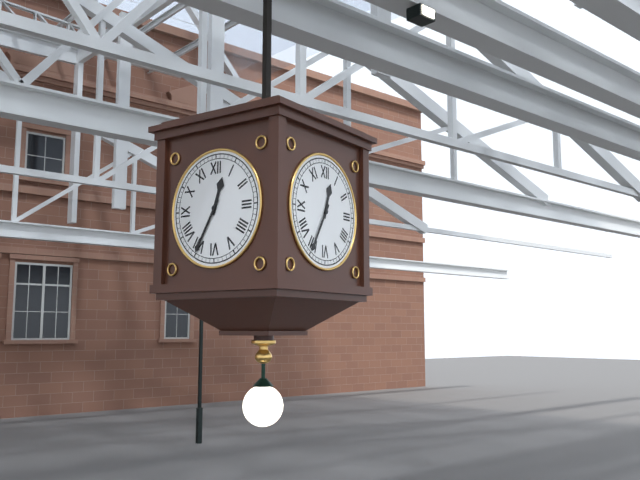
12:35
